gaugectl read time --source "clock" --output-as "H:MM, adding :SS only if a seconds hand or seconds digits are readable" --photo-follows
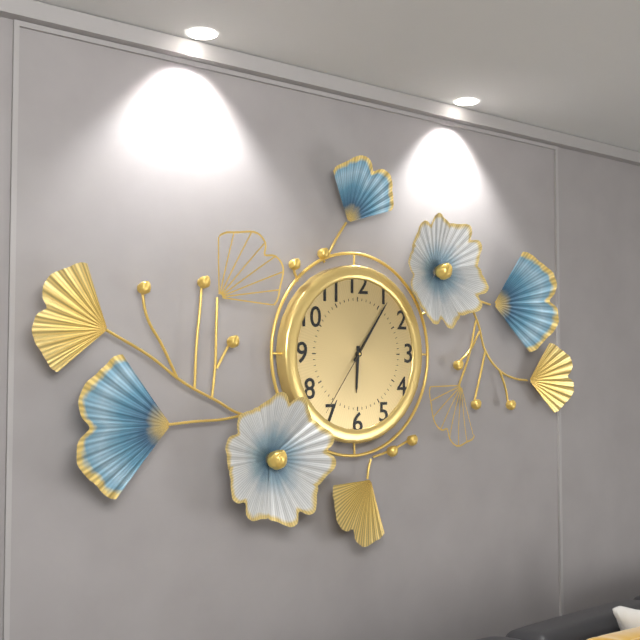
6:06:36
